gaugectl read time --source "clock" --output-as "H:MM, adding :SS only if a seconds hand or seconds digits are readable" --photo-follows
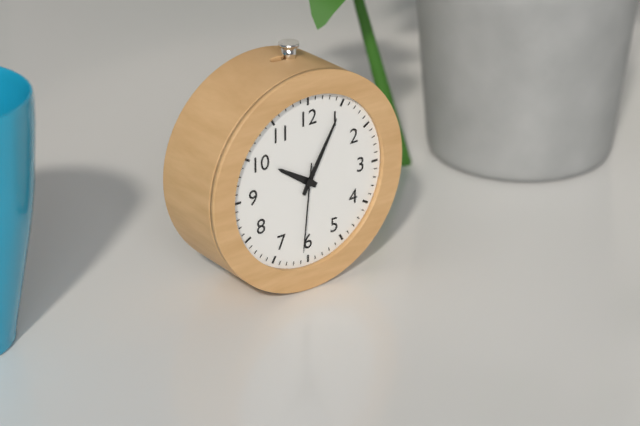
10:05:31
